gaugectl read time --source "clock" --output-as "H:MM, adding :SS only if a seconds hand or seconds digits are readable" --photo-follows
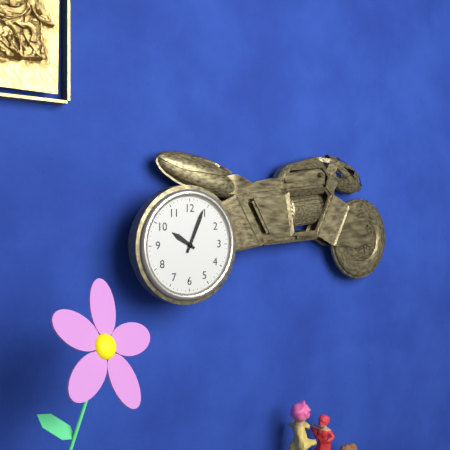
10:04
